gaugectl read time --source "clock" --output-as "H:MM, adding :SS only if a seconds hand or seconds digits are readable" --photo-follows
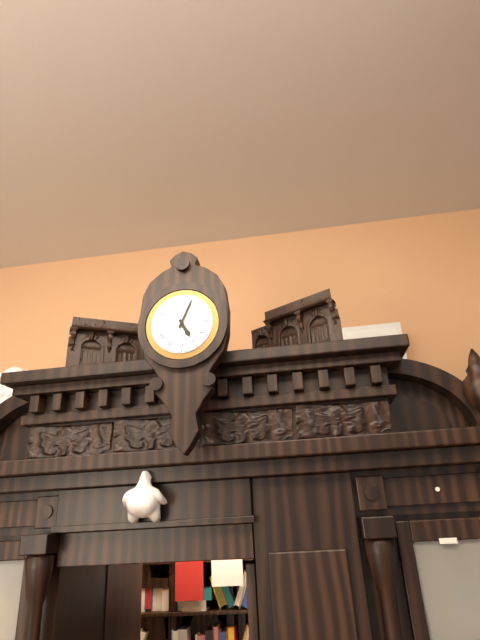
5:04
